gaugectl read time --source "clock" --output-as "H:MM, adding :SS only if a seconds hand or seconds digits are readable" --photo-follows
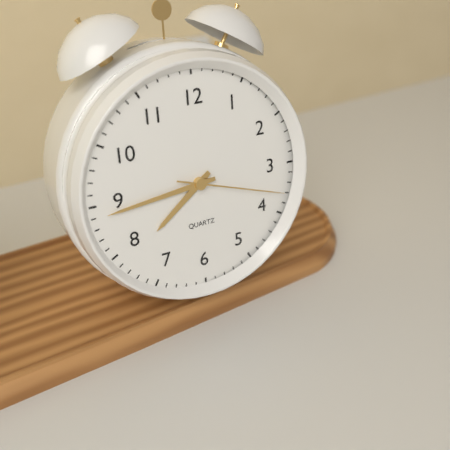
7:44:18
